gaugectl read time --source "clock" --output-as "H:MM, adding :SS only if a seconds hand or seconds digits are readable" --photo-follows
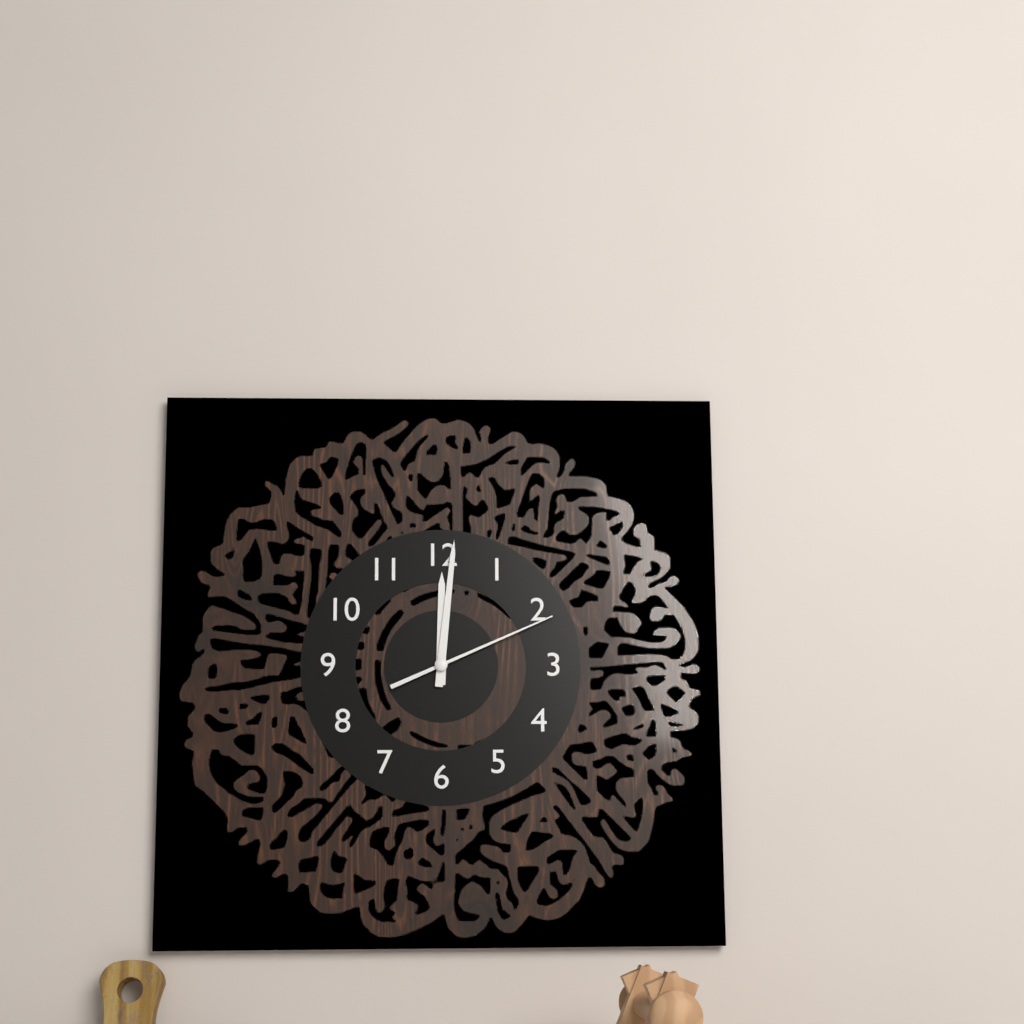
12:01:11
